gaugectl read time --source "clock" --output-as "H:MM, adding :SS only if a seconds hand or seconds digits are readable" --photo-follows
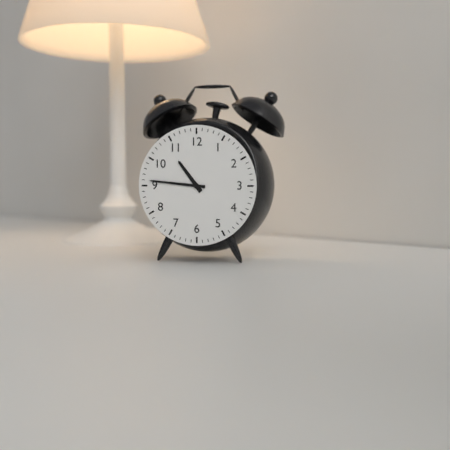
10:46
